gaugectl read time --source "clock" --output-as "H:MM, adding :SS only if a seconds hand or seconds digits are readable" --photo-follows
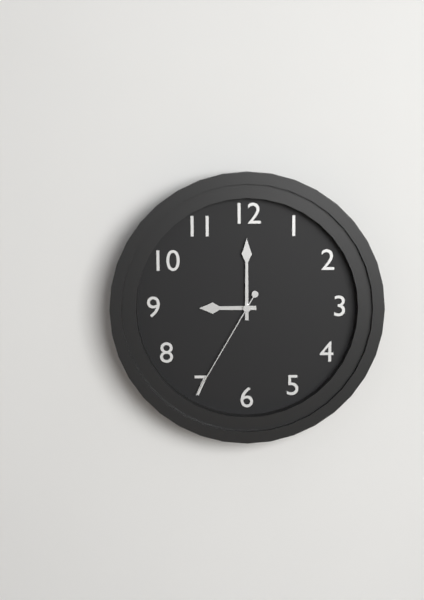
9:00:35
